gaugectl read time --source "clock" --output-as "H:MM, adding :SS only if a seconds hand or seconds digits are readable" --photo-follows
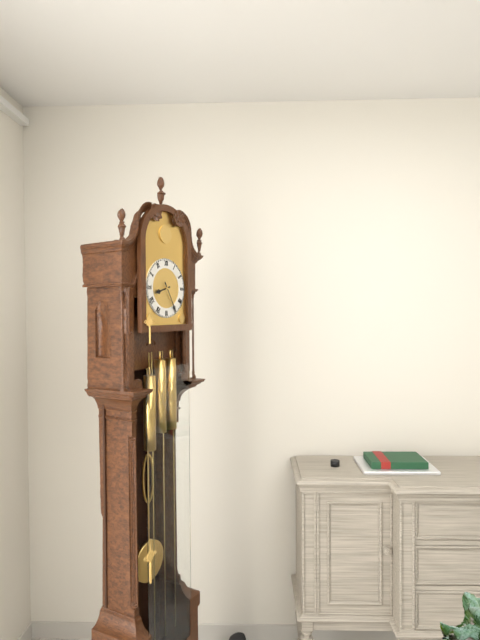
8:25
